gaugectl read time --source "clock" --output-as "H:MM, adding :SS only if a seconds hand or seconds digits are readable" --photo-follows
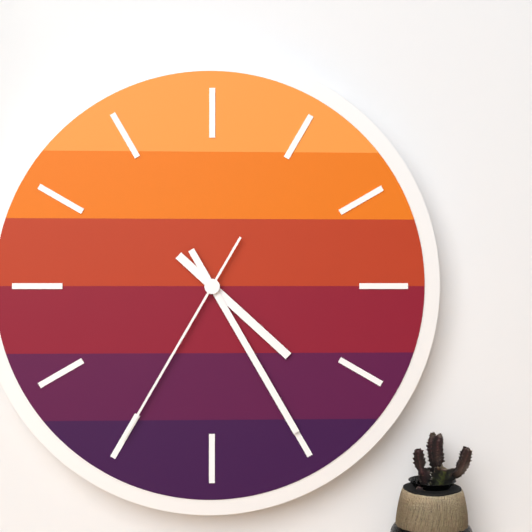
4:25:35
